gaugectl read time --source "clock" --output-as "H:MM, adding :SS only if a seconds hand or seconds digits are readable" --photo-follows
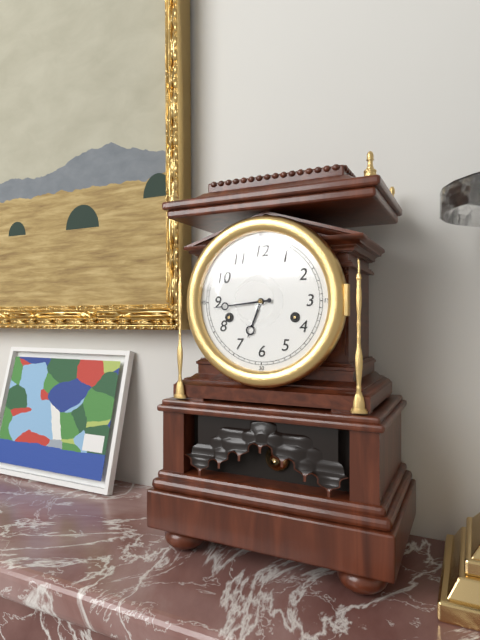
6:44
